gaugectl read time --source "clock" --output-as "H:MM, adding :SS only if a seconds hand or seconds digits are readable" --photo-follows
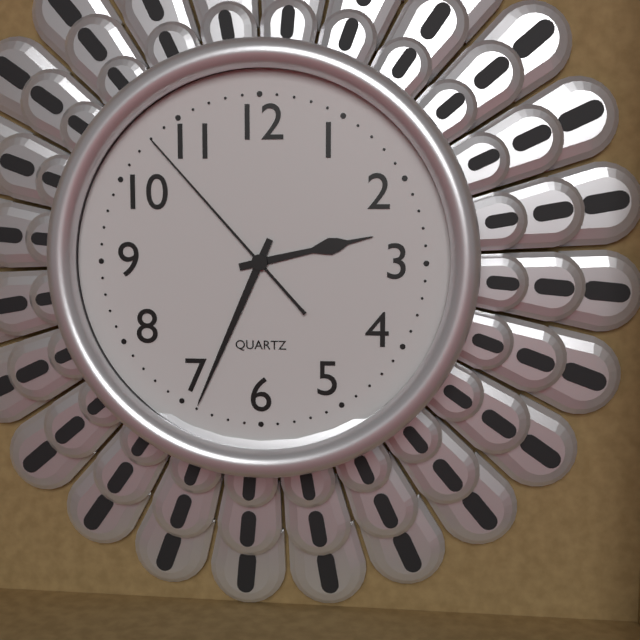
2:34:53
